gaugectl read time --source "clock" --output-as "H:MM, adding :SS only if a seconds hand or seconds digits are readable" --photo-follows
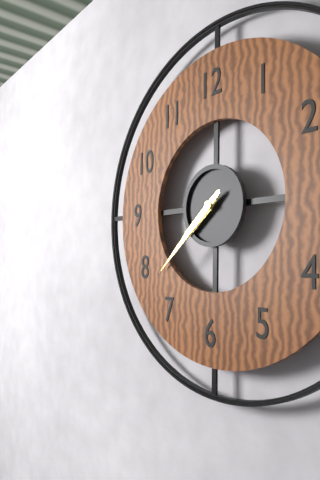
7:38
